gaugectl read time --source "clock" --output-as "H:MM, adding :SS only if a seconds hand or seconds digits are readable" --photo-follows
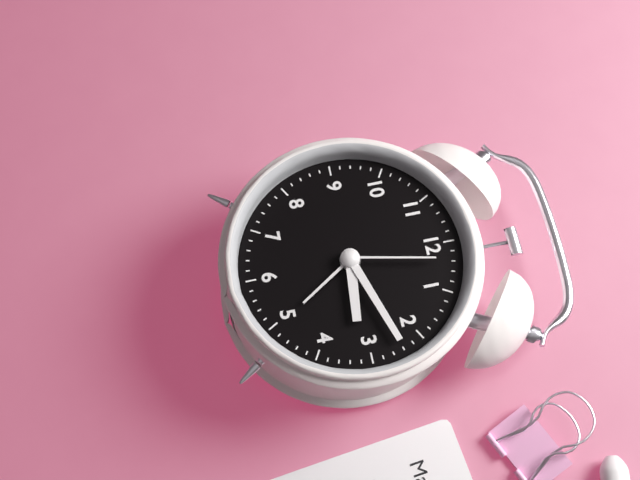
3:12:02
